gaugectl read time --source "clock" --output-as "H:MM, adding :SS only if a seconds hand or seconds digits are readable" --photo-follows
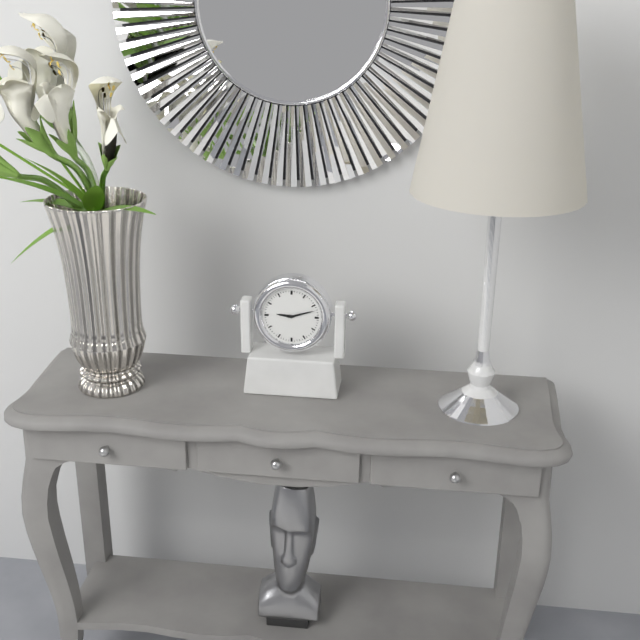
9:12
